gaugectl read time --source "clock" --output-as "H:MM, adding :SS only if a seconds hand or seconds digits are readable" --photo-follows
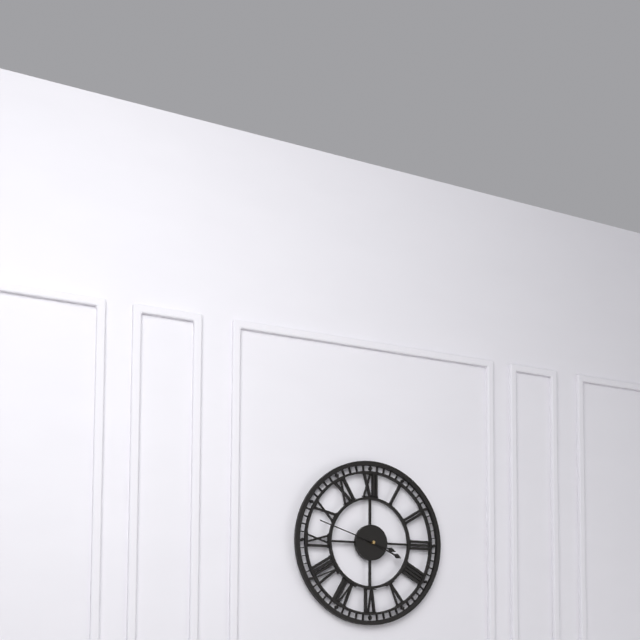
3:48
